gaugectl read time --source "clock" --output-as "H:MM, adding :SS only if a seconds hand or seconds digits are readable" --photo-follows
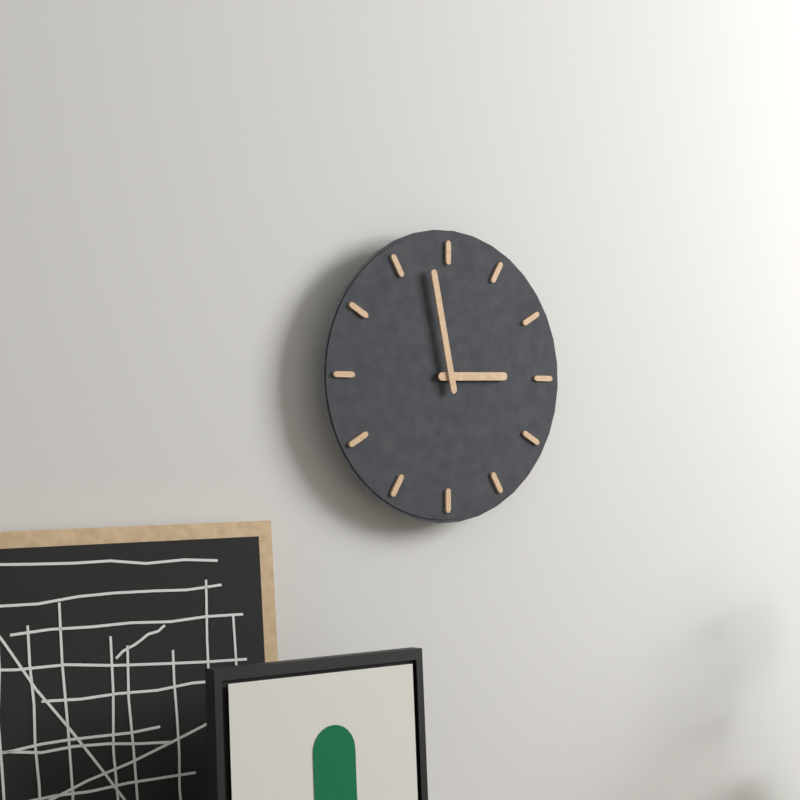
2:58
